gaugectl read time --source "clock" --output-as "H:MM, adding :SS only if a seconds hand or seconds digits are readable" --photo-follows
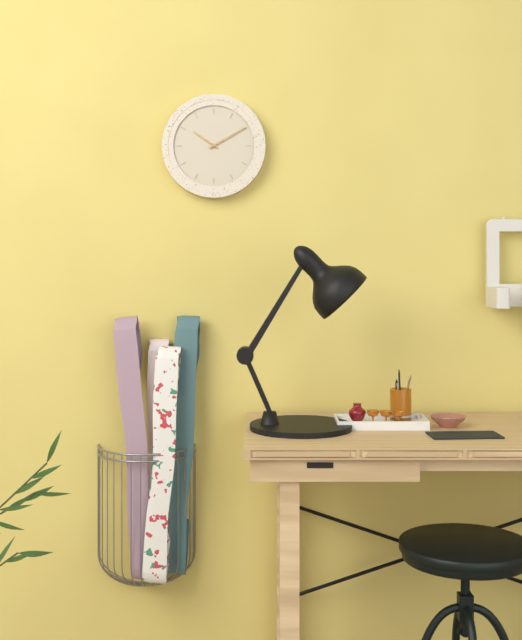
10:10
